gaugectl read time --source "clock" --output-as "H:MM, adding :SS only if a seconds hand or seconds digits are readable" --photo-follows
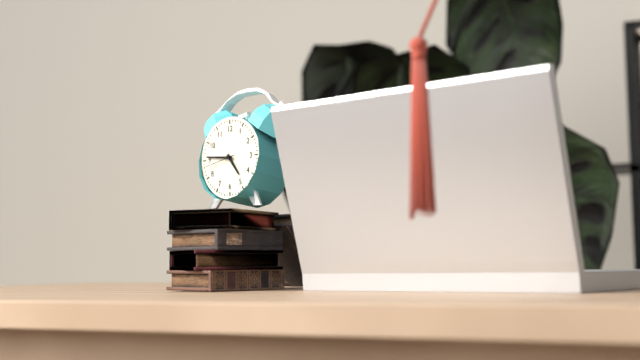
4:46
